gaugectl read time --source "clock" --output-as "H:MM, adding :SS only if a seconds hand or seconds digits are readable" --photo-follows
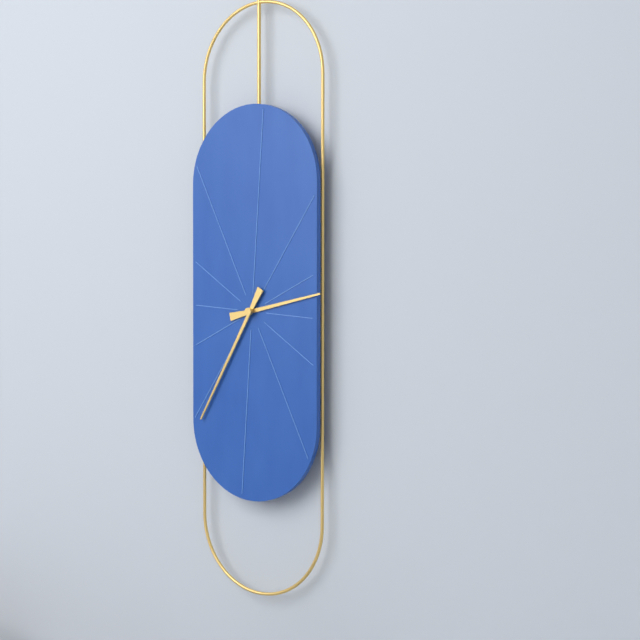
2:35
